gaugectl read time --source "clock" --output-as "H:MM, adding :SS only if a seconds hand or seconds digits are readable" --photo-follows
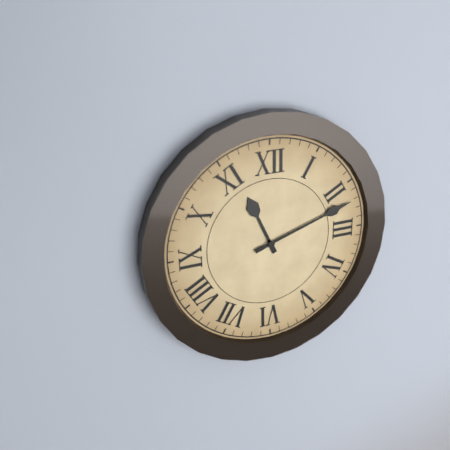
11:12
